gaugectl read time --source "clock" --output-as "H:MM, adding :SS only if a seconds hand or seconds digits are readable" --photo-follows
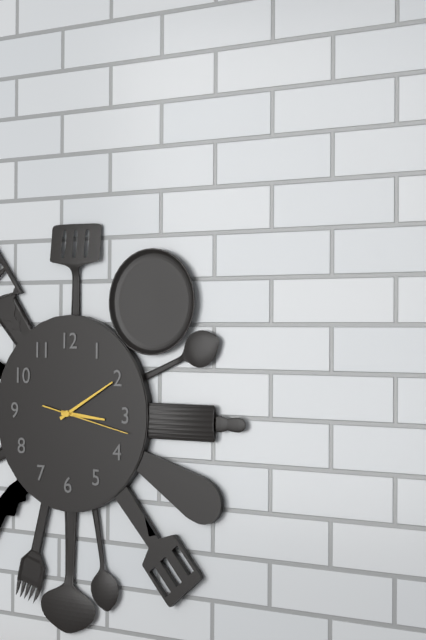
3:10:17
